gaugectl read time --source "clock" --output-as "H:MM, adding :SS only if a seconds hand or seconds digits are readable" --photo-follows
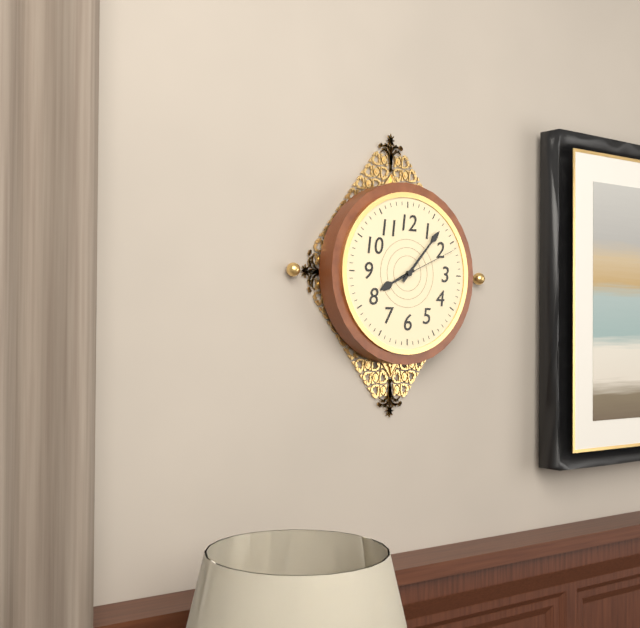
8:07:11
